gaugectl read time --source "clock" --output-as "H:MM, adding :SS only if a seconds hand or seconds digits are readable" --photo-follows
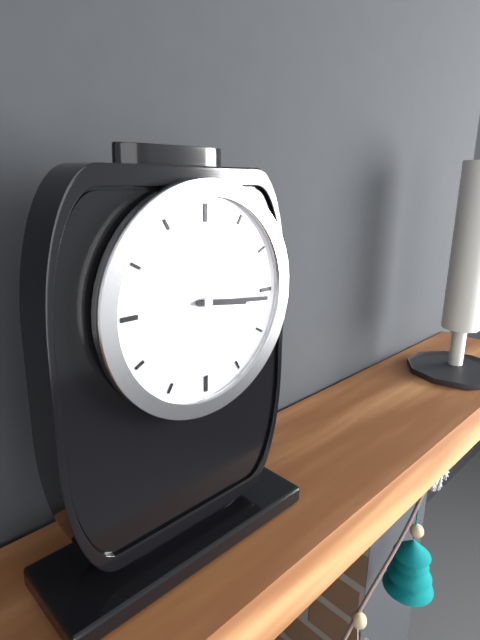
3:16
